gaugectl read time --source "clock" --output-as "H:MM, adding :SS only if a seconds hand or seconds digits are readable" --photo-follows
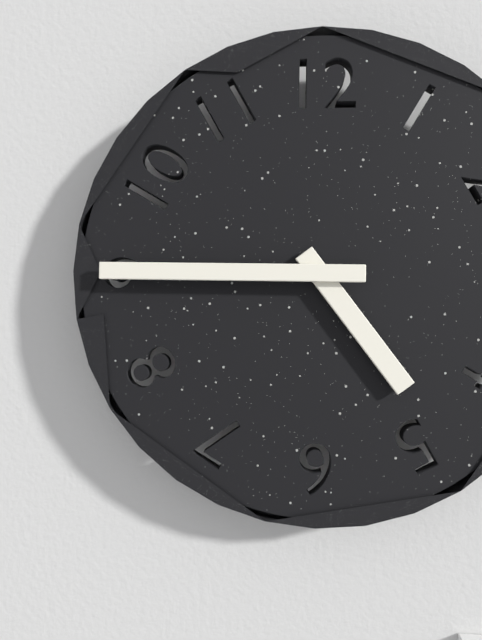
4:45
